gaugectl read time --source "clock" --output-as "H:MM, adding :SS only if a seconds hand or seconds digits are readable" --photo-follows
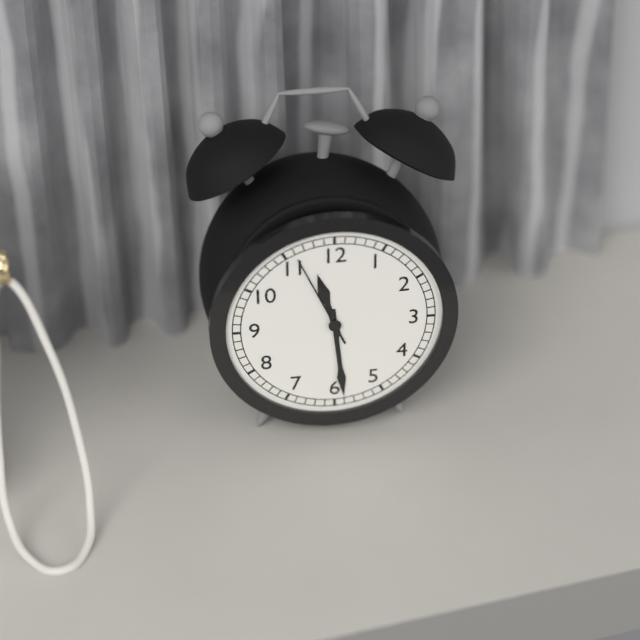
11:29:56
